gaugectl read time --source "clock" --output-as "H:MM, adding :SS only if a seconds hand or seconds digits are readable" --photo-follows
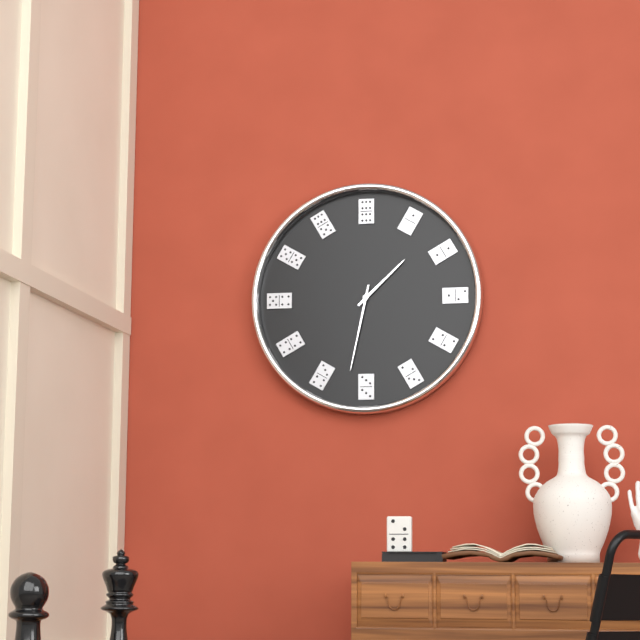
1:32
